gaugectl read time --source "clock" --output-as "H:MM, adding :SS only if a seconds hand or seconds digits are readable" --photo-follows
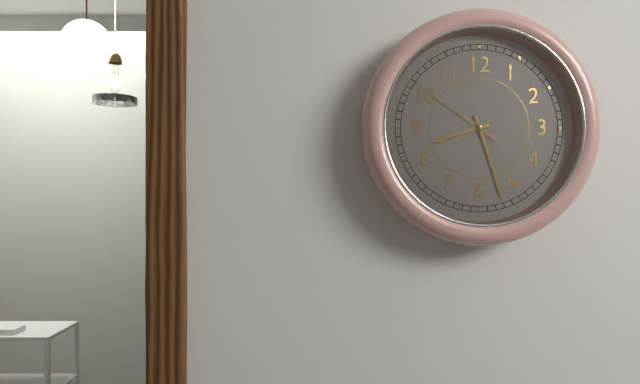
8:27:51
